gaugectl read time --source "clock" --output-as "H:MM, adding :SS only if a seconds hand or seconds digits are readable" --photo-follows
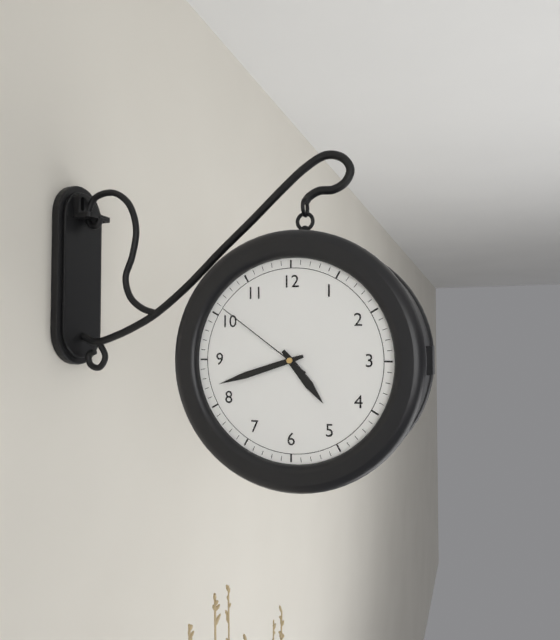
4:42:51
